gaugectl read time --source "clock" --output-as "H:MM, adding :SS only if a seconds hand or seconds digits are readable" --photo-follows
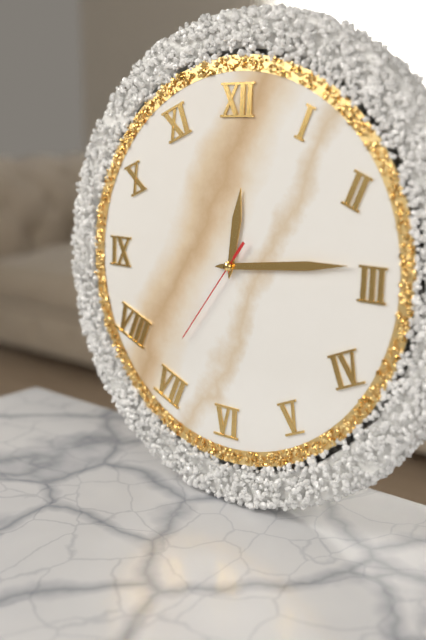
12:14:36
